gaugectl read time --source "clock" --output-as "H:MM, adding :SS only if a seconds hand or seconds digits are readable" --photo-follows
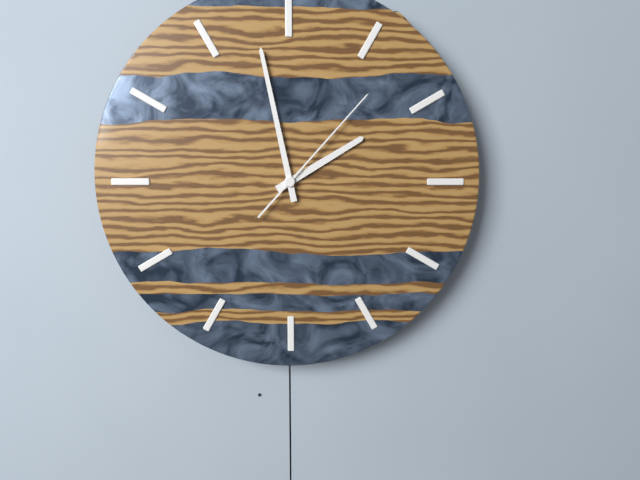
1:58:07
